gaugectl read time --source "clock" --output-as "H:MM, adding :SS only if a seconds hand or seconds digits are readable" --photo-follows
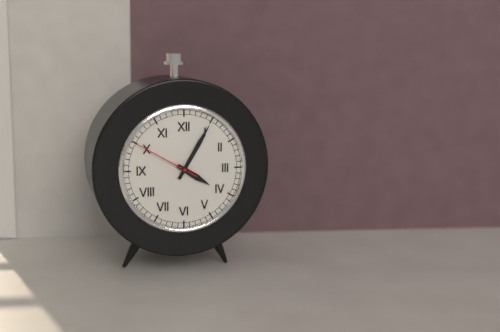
4:05:50
